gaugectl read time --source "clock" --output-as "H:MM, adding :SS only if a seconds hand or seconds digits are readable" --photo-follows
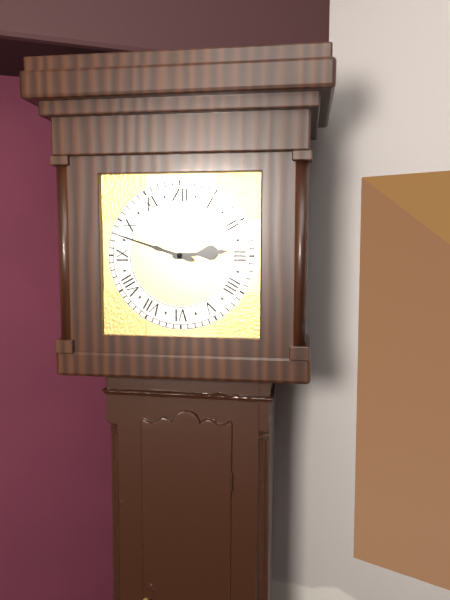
2:48
